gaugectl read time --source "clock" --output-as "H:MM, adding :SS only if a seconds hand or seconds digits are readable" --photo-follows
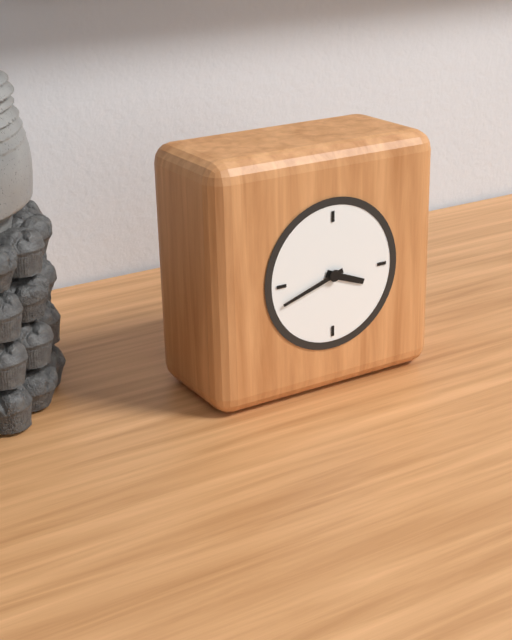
3:42
